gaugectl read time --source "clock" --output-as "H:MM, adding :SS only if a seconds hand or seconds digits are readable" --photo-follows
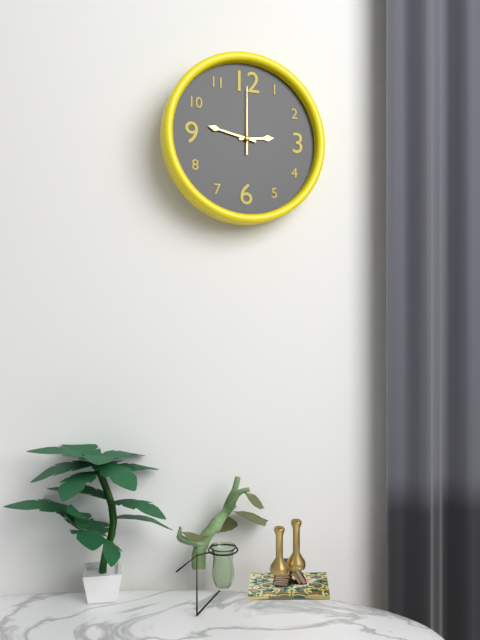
2:47:00
